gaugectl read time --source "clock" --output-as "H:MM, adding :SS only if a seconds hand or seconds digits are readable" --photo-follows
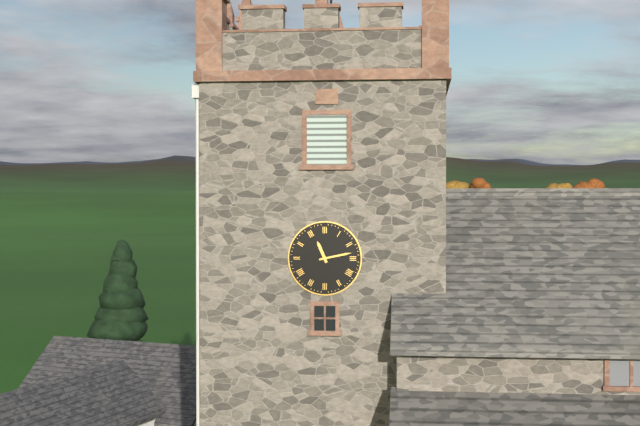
11:13
